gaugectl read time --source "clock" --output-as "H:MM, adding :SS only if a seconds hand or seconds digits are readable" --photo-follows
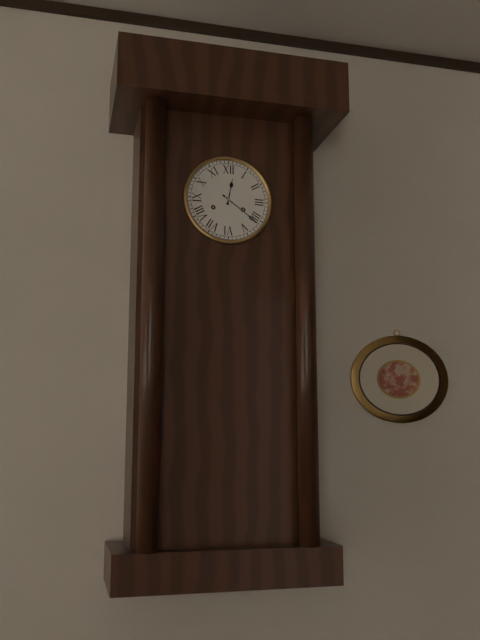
12:21
